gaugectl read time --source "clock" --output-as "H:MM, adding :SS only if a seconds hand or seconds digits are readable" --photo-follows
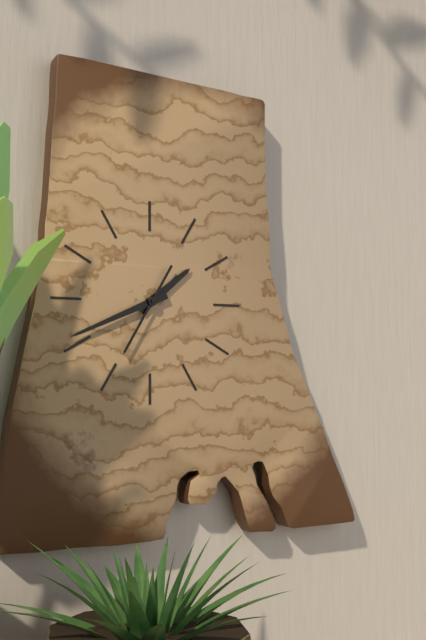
1:41:35
